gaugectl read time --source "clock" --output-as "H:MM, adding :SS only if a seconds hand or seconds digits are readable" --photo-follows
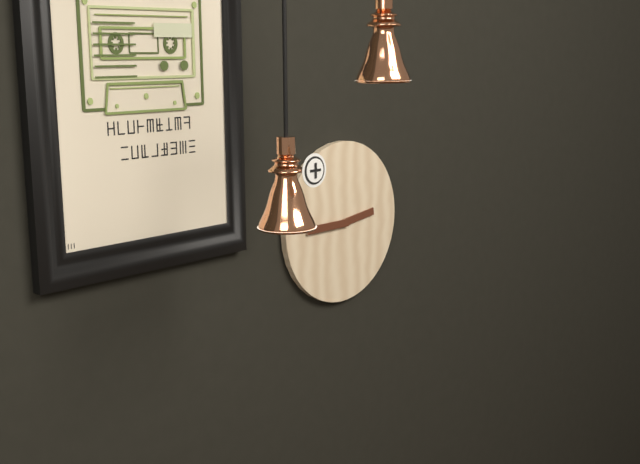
2:45
